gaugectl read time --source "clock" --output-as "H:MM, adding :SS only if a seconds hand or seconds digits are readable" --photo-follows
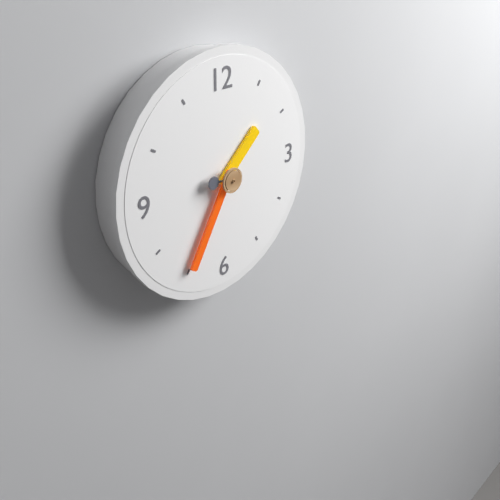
1:35
